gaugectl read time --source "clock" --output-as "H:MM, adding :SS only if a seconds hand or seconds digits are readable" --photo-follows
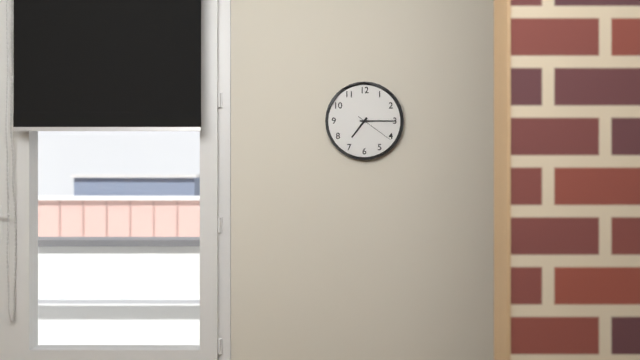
7:15
